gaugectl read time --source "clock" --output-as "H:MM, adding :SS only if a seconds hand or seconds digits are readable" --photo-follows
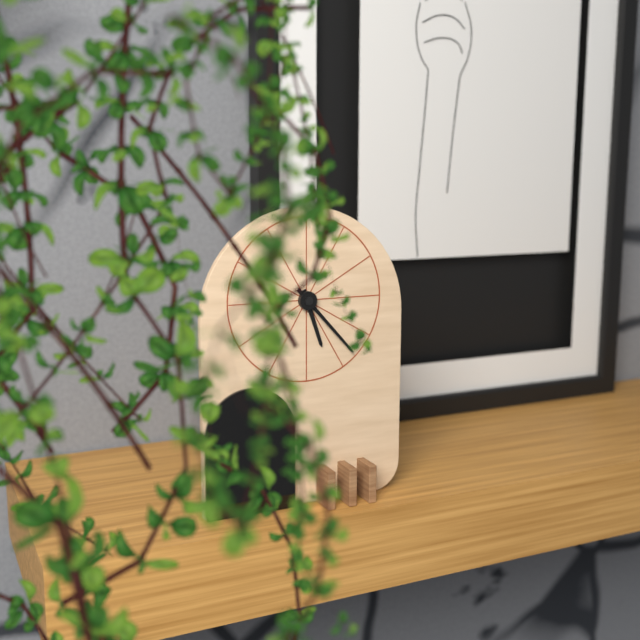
5:23
